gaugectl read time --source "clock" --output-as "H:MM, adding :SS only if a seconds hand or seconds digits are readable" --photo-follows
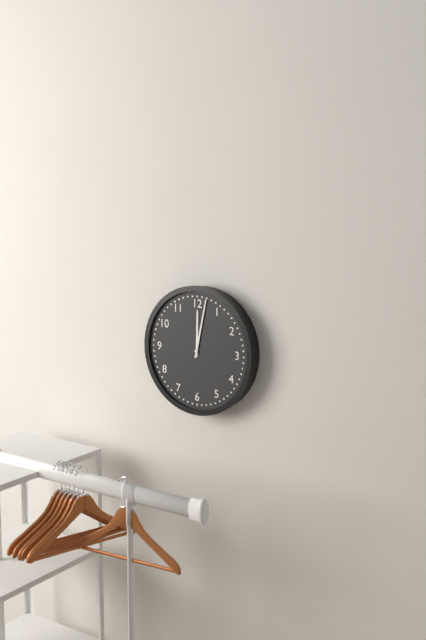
12:02
